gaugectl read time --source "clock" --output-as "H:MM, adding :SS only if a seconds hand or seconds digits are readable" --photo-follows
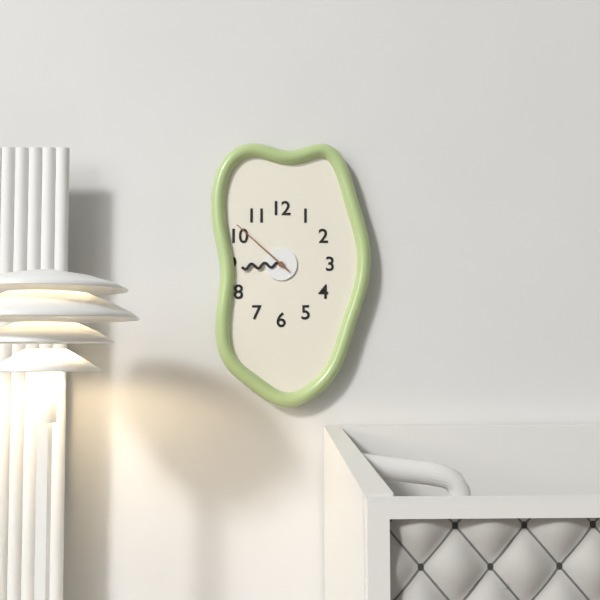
8:52
